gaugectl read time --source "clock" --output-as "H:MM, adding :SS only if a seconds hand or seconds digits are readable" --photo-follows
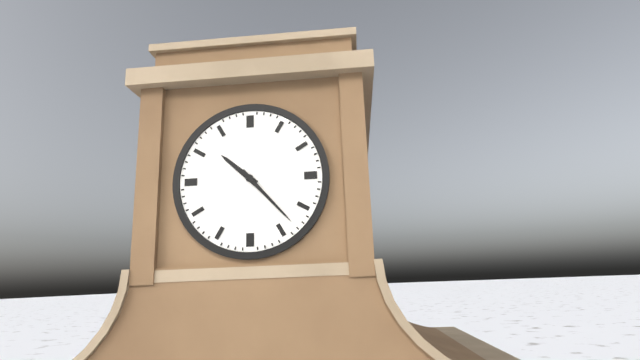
10:23
